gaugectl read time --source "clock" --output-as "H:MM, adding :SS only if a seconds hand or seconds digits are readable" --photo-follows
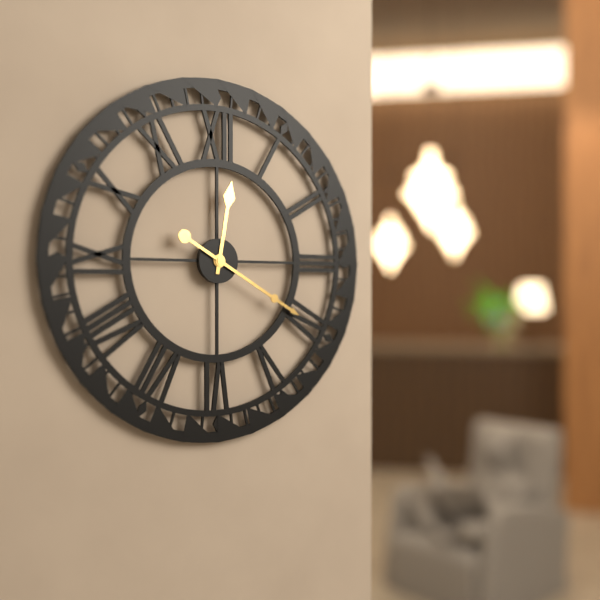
12:20
